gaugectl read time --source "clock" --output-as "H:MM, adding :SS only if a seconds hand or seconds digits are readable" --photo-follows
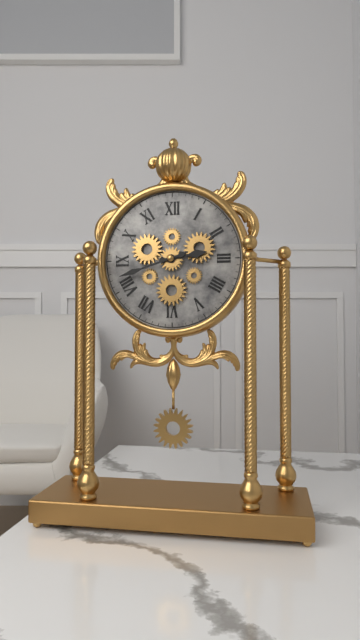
2:42
